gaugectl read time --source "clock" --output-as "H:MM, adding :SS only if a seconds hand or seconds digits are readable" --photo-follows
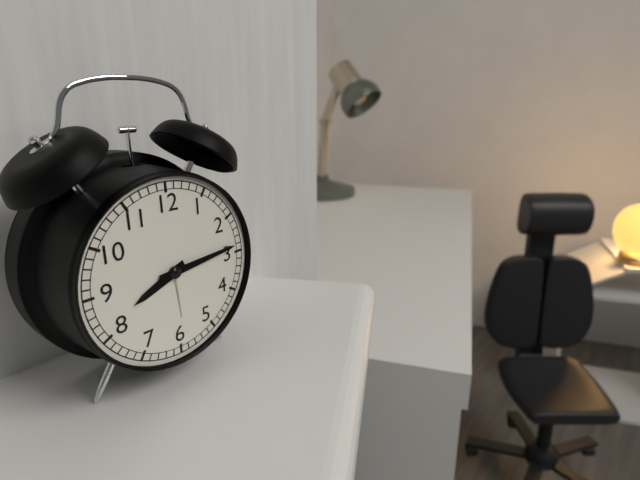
8:14
